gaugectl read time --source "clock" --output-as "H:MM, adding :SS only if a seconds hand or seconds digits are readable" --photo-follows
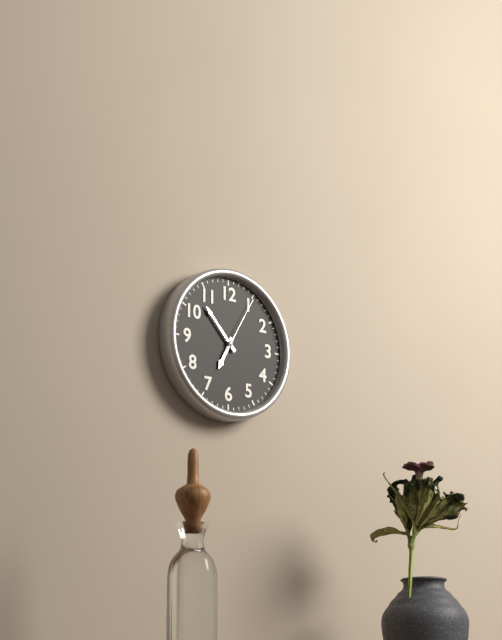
6:53:05
